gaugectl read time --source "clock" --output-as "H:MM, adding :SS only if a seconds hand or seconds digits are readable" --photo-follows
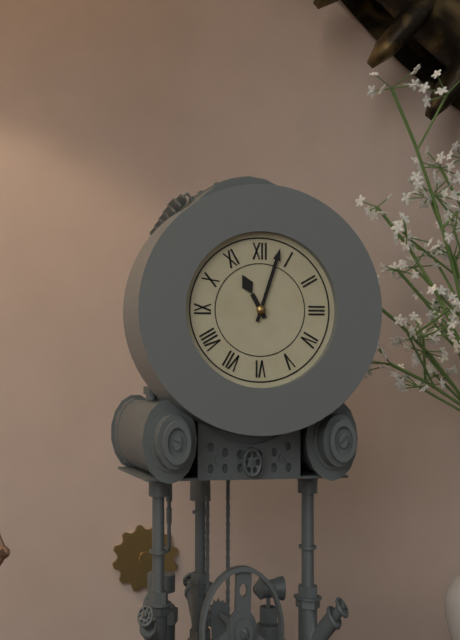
11:03
